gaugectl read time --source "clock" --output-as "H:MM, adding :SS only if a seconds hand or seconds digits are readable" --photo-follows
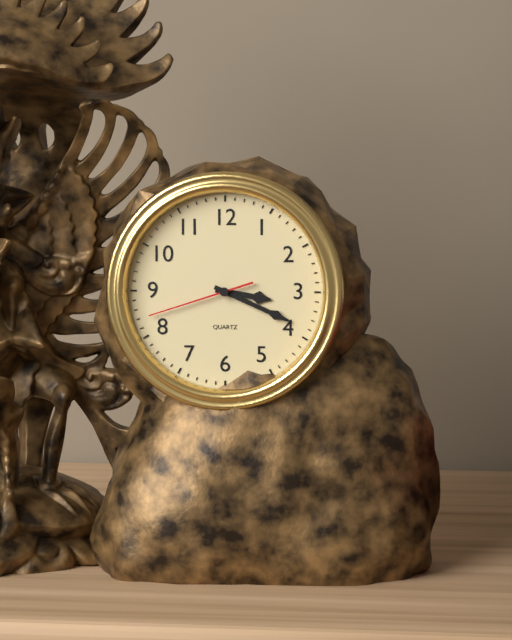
3:19:42
